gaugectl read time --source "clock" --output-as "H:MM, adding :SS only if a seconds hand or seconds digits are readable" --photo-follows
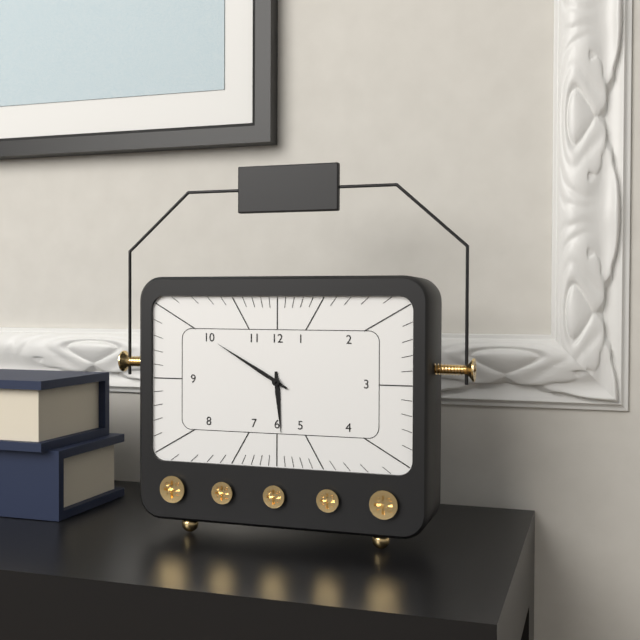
5:50
